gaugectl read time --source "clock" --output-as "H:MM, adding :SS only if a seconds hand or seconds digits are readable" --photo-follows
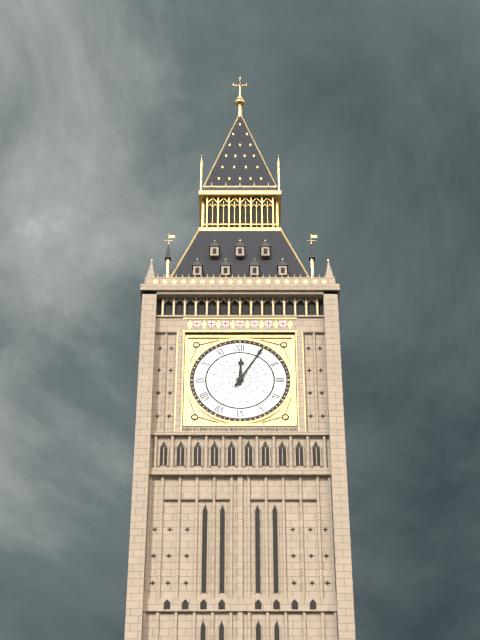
12:05
